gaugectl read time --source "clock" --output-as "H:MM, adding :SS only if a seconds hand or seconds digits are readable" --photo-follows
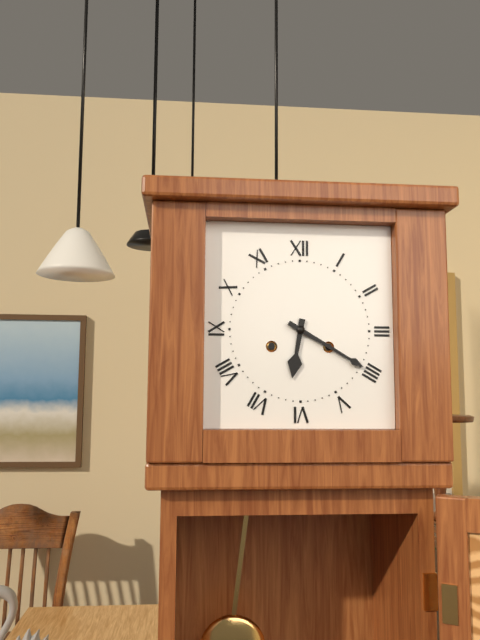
6:20
